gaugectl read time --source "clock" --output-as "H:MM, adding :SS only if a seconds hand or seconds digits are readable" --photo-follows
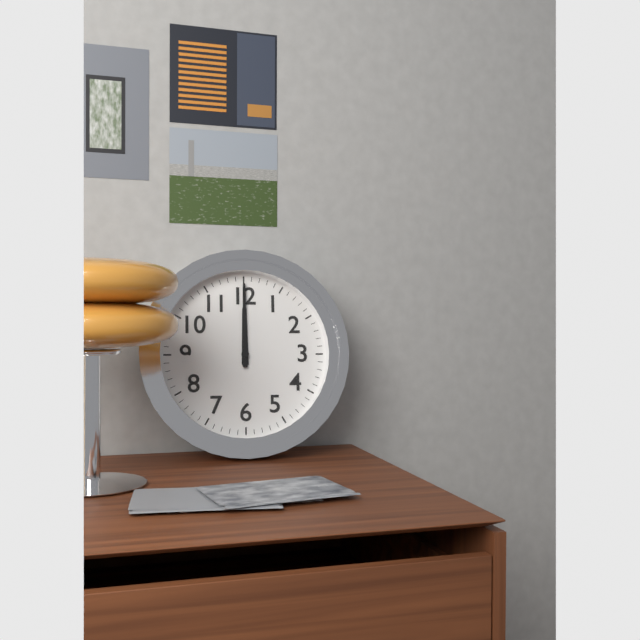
12:00
